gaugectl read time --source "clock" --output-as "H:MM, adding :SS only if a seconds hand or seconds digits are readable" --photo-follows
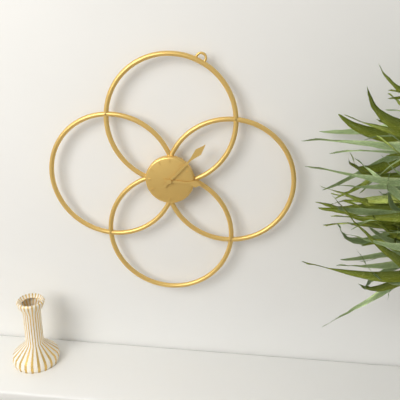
3:07
